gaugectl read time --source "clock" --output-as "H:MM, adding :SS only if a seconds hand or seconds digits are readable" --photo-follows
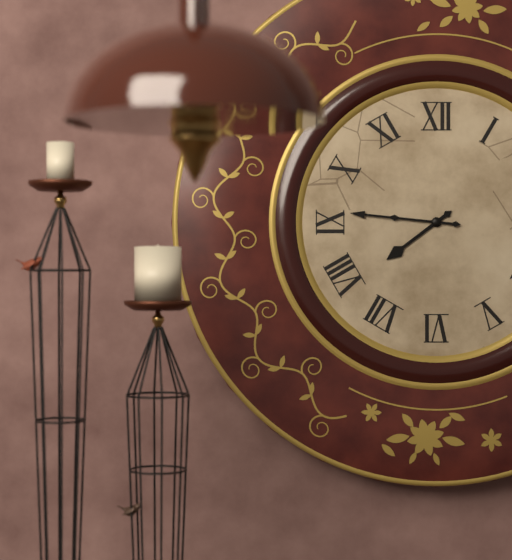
7:46
